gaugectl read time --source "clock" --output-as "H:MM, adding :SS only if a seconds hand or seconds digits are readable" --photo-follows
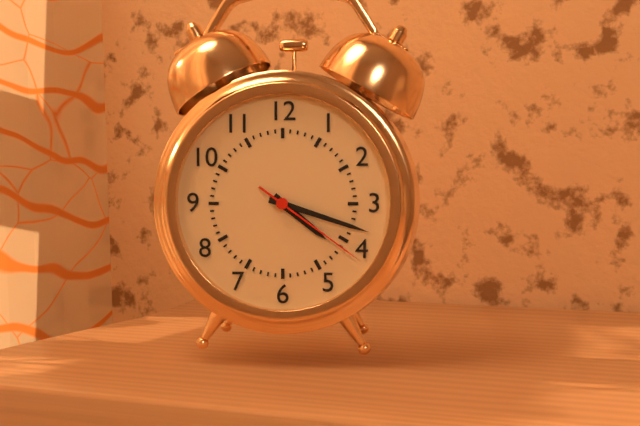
4:18:21
